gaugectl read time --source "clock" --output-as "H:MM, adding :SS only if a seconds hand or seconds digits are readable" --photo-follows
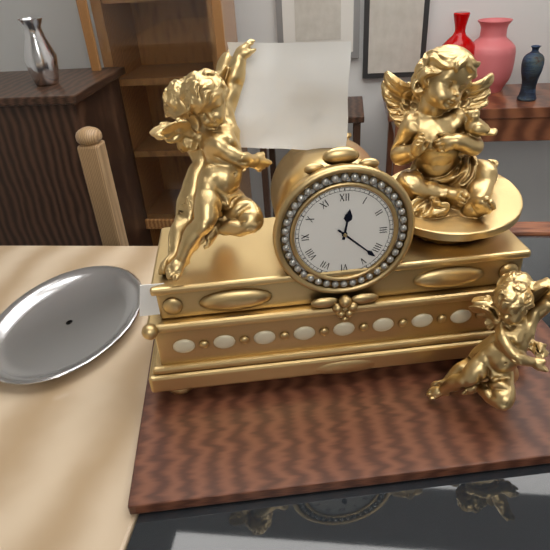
12:22
